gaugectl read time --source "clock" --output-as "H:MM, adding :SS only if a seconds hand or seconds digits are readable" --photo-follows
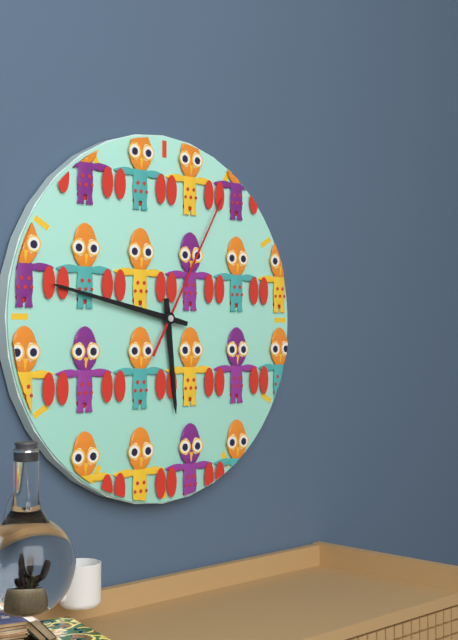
5:47:05
